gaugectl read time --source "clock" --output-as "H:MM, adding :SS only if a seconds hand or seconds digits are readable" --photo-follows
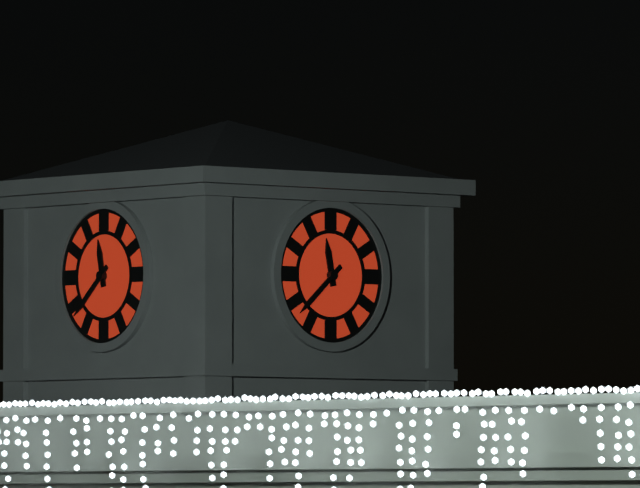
11:38
